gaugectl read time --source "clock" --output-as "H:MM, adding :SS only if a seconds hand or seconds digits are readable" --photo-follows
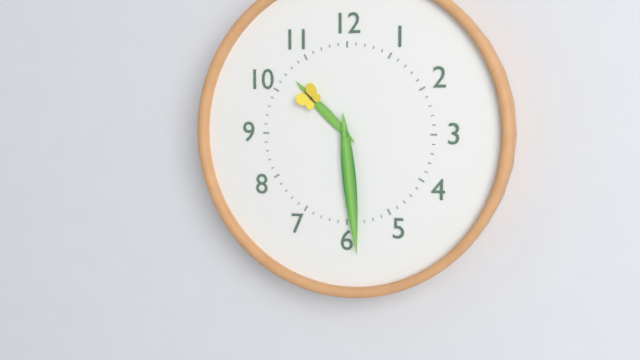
10:29
